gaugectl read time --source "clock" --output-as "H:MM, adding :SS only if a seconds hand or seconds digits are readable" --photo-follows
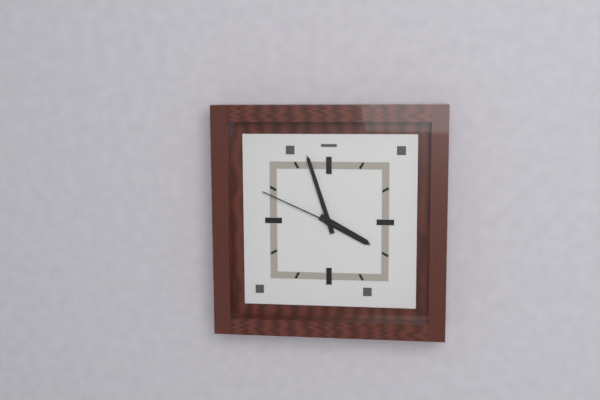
3:57:49
